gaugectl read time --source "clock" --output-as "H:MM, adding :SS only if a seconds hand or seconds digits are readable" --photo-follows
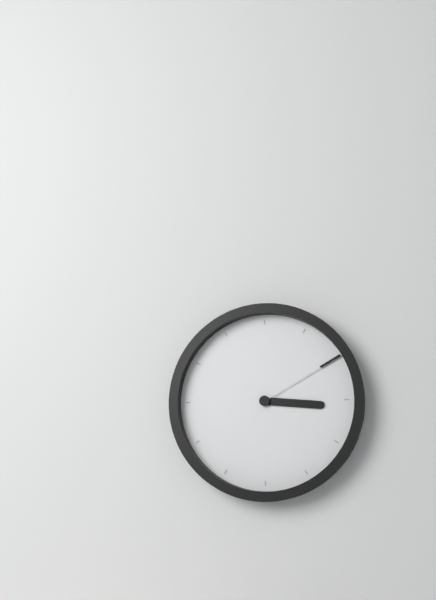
3:10
